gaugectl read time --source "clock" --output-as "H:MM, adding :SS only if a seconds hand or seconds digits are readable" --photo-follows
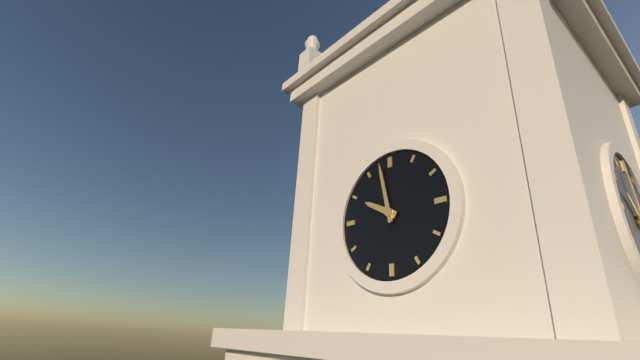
9:58
